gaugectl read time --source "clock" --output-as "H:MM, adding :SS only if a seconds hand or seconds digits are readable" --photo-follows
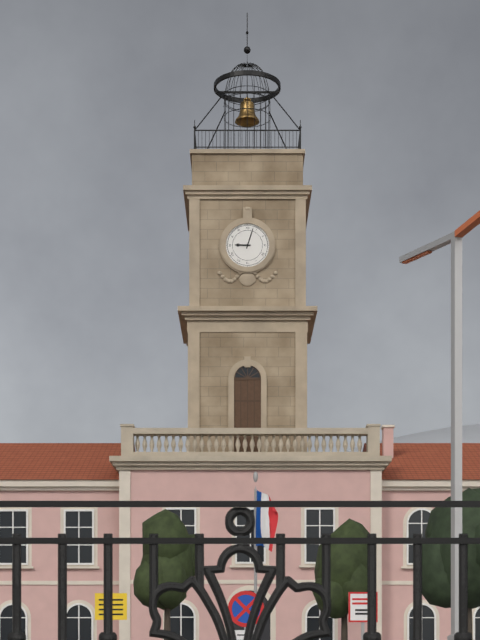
9:03
